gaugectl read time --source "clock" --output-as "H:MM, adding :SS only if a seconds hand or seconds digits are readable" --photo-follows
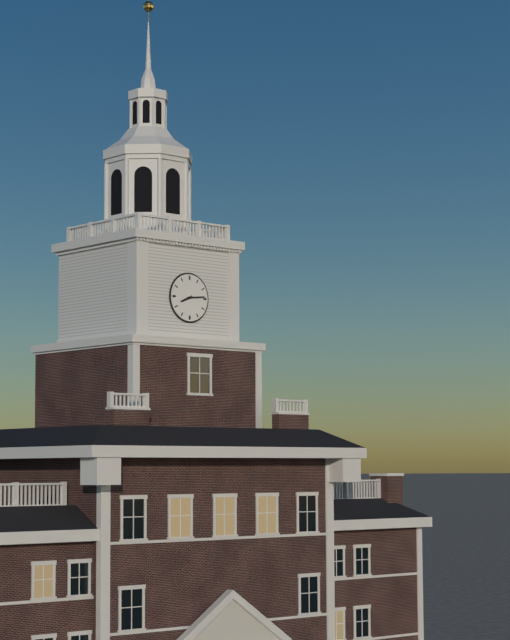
8:14
